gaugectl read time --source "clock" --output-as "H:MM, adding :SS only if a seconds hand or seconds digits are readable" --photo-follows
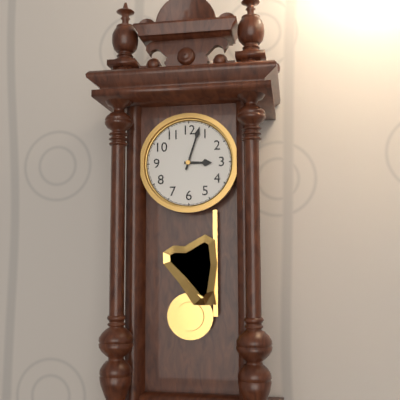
3:03
